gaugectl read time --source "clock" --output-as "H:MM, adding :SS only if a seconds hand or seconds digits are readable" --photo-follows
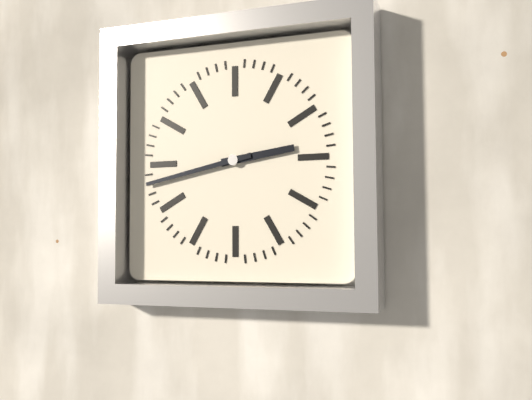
2:43
